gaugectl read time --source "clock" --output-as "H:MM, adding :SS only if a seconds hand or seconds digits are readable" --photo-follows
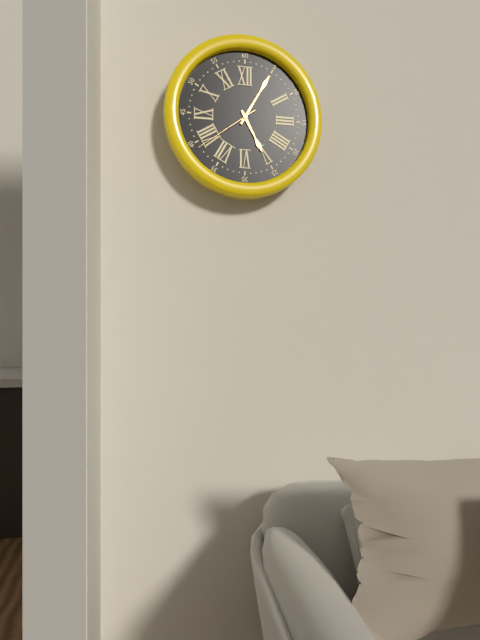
5:05:39
